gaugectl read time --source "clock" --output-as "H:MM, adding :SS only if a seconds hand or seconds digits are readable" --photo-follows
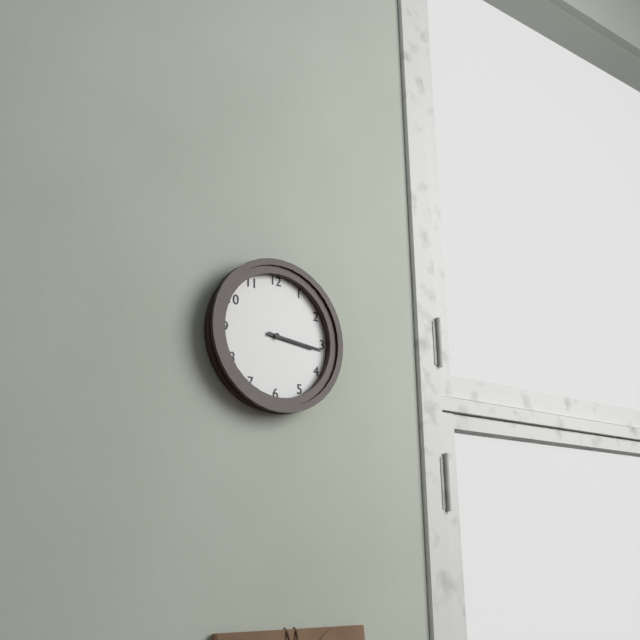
3:16
